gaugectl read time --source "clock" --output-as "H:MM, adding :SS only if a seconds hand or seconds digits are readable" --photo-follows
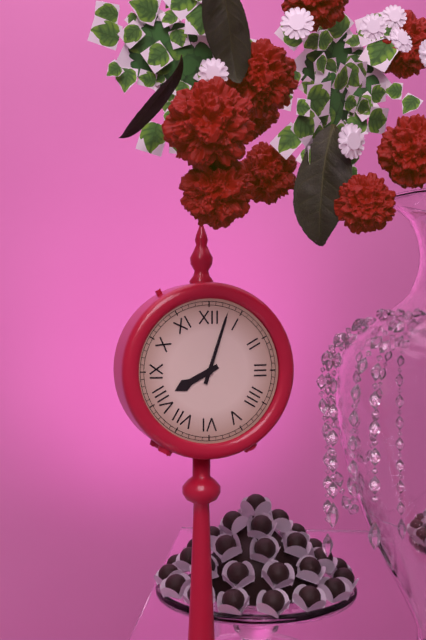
8:03
